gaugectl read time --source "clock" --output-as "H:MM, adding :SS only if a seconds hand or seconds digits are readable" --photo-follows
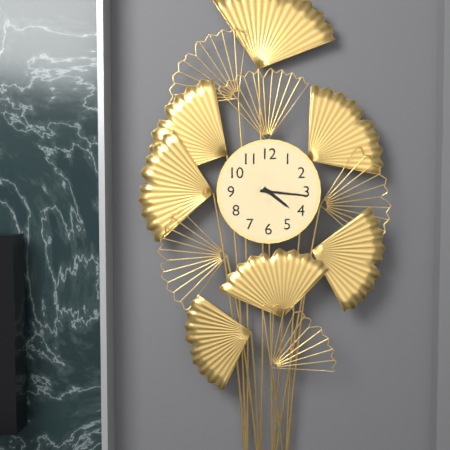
4:16
